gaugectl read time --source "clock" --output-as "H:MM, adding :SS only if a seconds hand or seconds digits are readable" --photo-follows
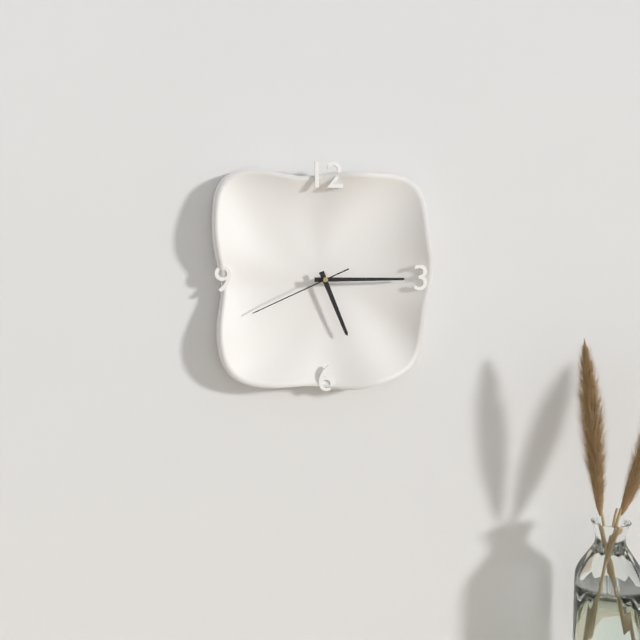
5:15:41
